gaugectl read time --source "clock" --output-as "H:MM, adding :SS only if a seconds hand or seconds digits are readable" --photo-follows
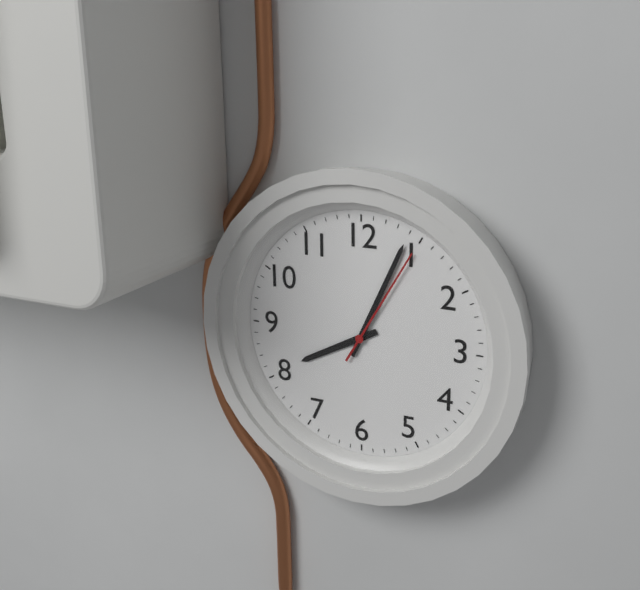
8:04:05
